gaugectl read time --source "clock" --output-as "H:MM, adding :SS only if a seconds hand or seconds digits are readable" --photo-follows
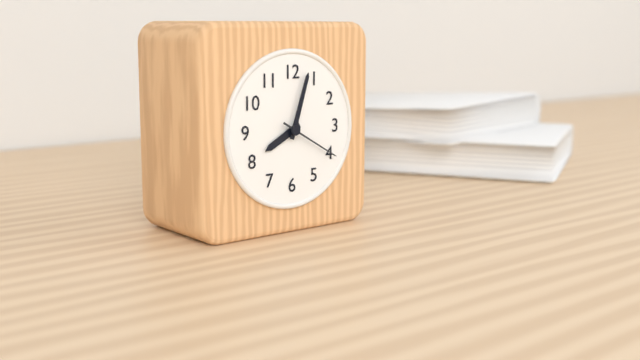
8:03:20
